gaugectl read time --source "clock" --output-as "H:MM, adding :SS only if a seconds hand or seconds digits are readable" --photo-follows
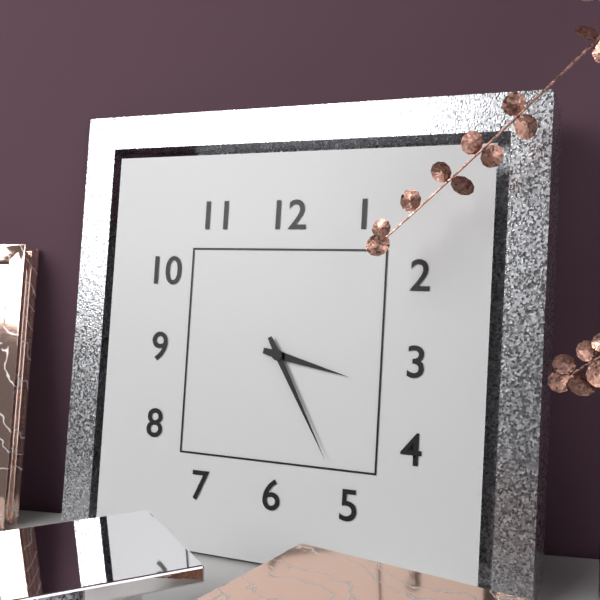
3:25
